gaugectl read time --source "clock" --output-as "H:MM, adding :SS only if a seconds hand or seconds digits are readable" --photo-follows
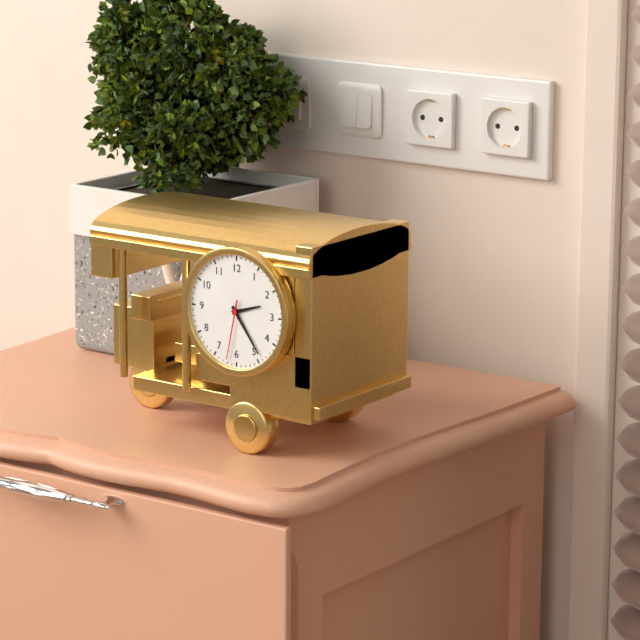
2:24:32
